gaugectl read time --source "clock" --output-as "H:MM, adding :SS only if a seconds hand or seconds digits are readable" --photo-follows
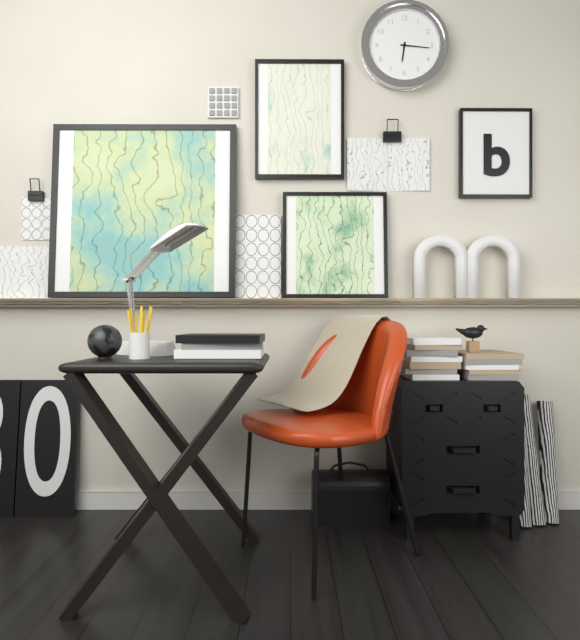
6:16
